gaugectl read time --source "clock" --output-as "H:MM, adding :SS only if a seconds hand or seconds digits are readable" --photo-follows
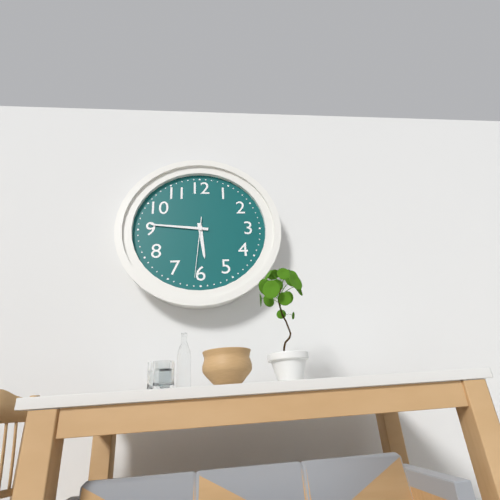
5:46:31
